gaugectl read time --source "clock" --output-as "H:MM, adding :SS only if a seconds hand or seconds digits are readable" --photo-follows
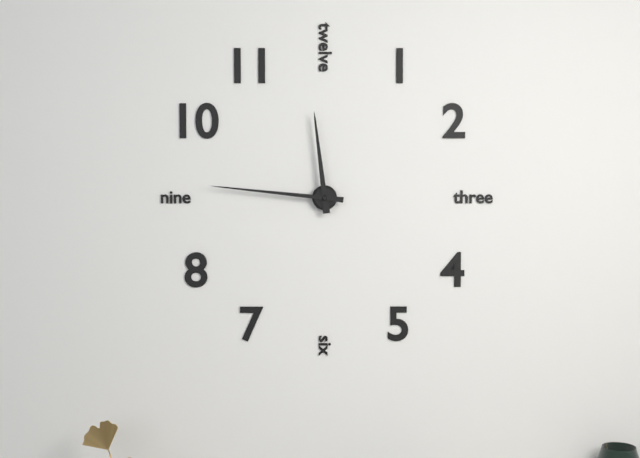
11:46
